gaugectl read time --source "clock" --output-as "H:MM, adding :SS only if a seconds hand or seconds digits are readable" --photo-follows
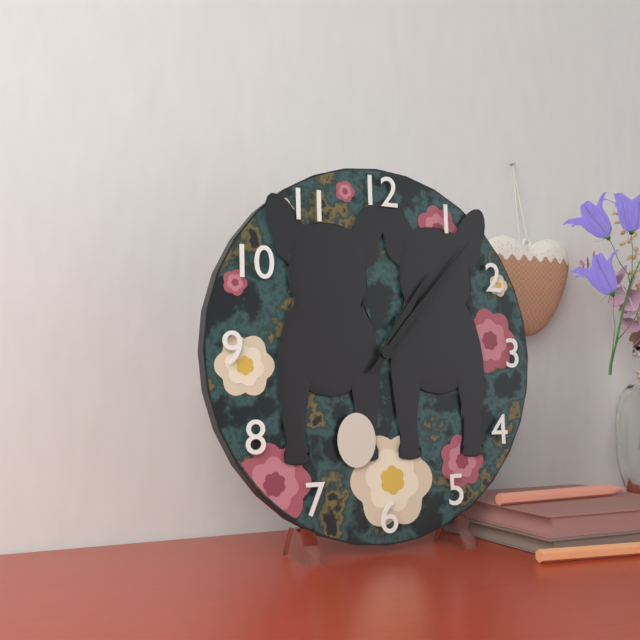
1:07
